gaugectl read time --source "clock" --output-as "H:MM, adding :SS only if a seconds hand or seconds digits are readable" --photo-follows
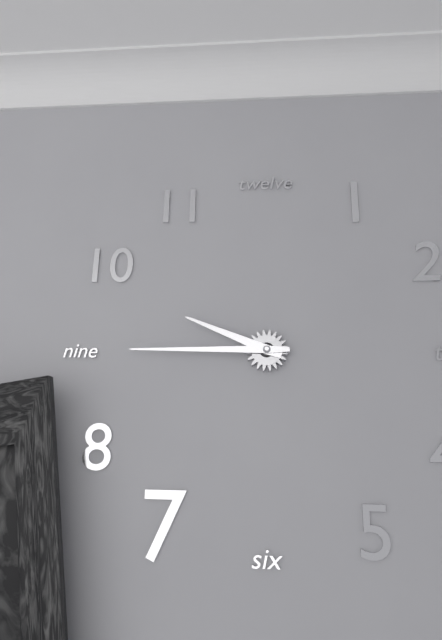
9:45
